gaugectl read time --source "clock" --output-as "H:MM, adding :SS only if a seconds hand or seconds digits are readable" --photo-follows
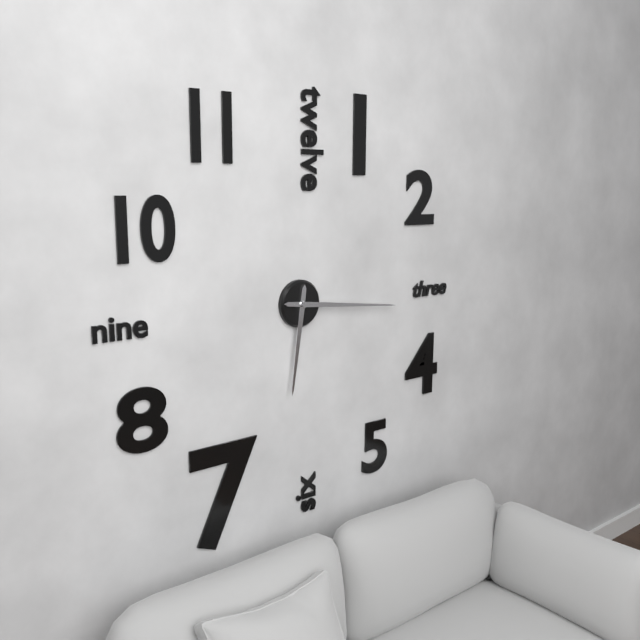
6:16
